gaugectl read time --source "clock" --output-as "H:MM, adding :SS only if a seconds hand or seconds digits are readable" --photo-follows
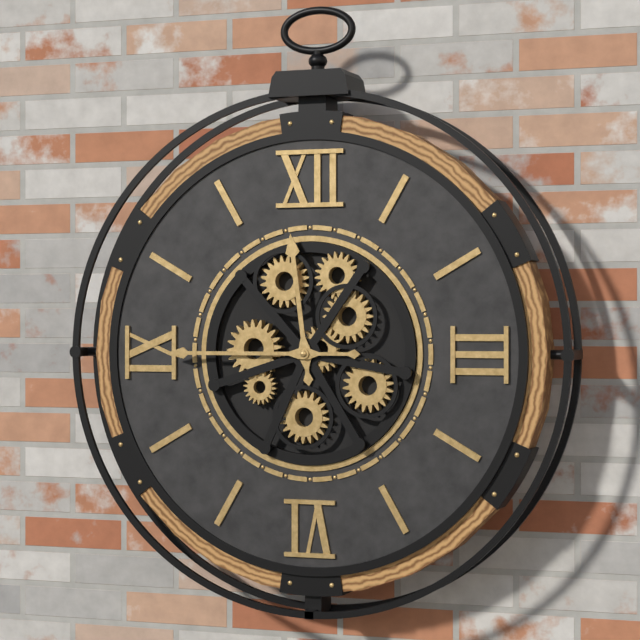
11:45
